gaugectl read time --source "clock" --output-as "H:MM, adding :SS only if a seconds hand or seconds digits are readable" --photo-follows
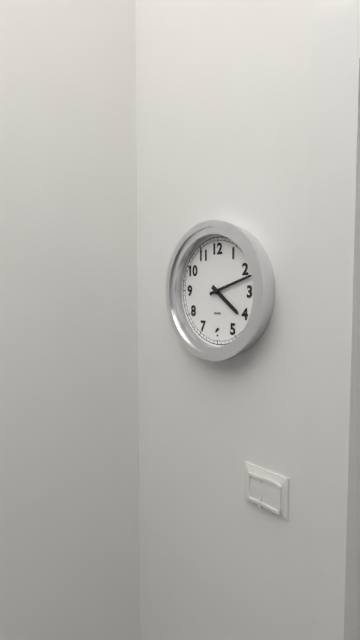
4:12
